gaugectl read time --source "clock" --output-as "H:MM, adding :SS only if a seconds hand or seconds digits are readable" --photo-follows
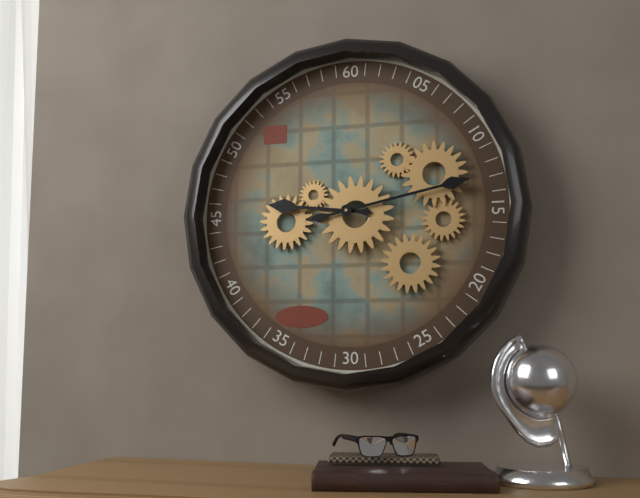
9:13
